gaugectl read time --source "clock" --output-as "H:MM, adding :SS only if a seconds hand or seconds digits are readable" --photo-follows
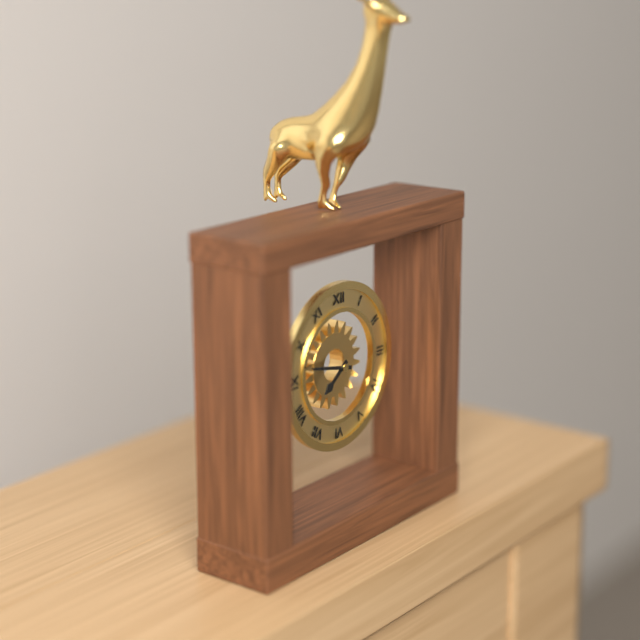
7:47
